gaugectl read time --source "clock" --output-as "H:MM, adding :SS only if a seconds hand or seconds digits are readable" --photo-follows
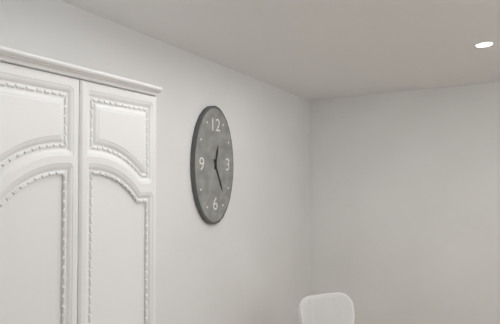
12:26
